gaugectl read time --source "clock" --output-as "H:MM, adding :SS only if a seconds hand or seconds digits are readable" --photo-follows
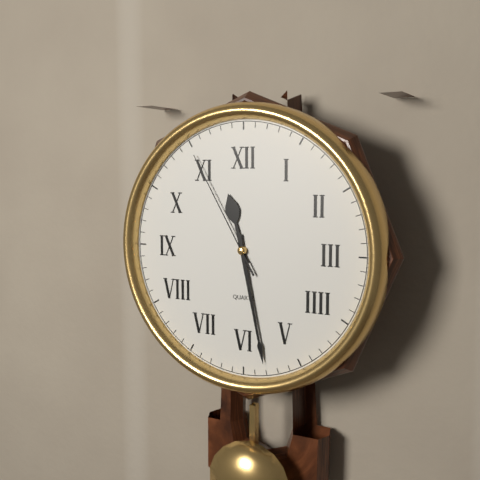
11:28:55
